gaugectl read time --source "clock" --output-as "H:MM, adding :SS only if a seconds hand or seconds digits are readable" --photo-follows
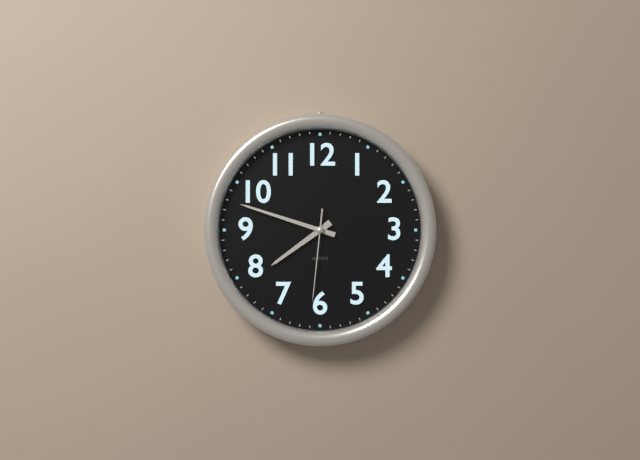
7:48:31
